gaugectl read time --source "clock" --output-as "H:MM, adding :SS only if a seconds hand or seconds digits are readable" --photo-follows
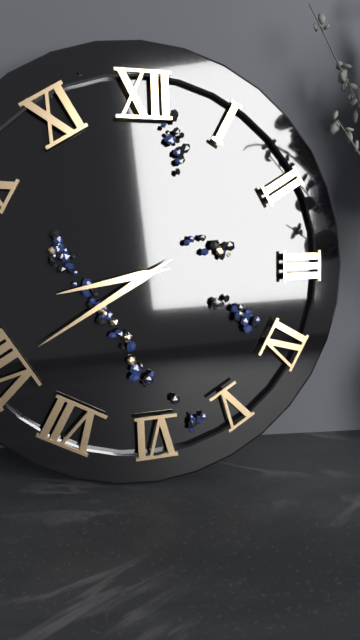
8:40
